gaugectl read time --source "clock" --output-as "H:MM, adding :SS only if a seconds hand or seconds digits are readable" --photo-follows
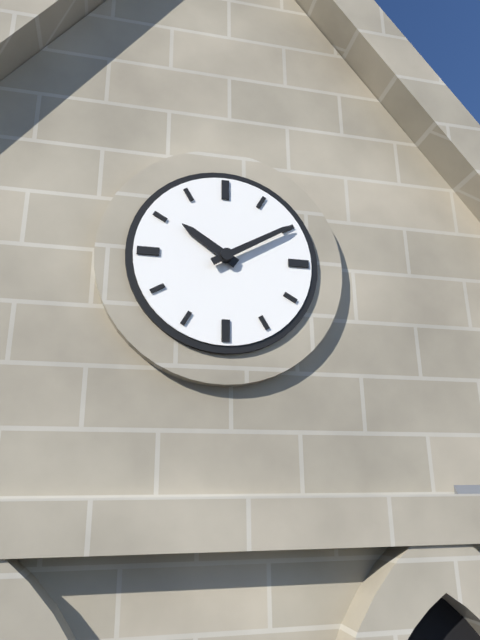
10:10
